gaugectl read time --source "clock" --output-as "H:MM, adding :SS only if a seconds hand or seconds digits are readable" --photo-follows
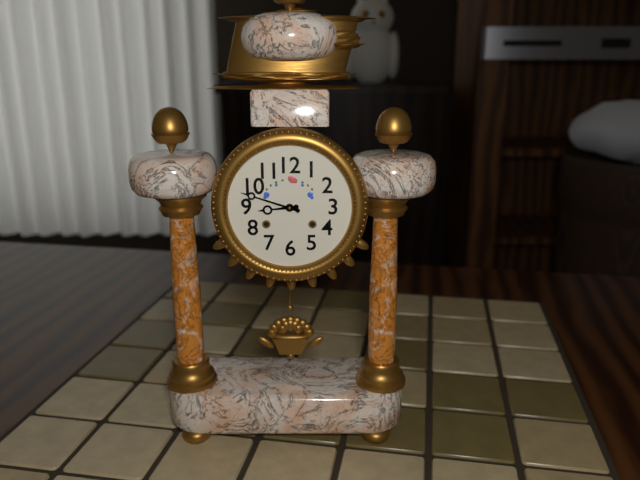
8:48
